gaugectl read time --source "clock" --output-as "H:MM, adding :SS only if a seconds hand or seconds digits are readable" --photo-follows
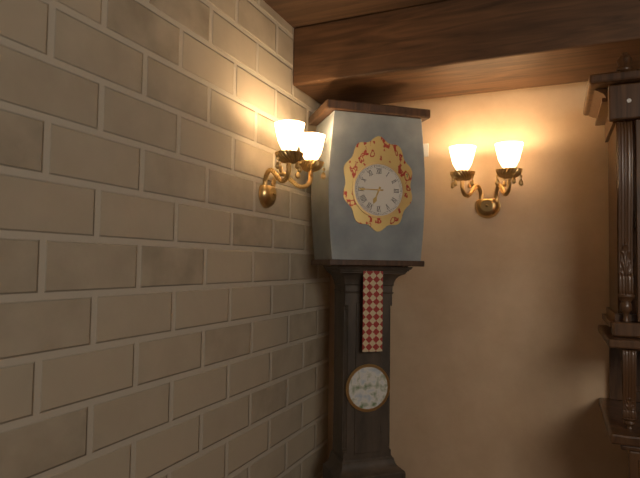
6:45
